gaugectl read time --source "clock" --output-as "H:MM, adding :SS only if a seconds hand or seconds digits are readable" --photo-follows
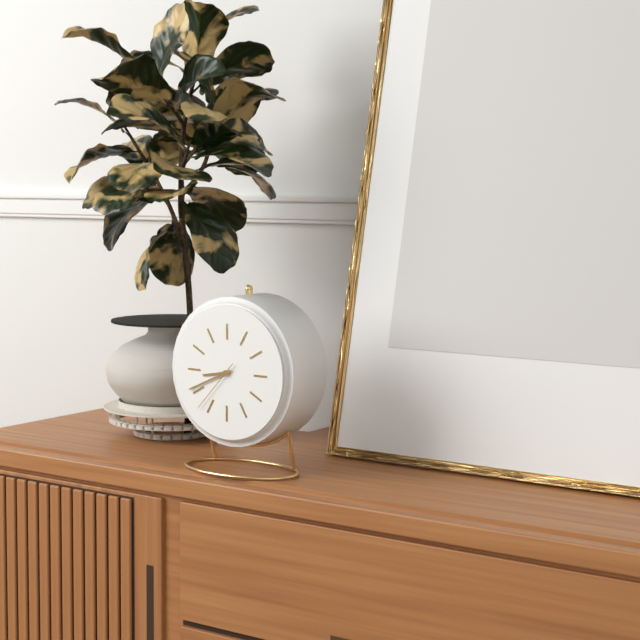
8:41:37
